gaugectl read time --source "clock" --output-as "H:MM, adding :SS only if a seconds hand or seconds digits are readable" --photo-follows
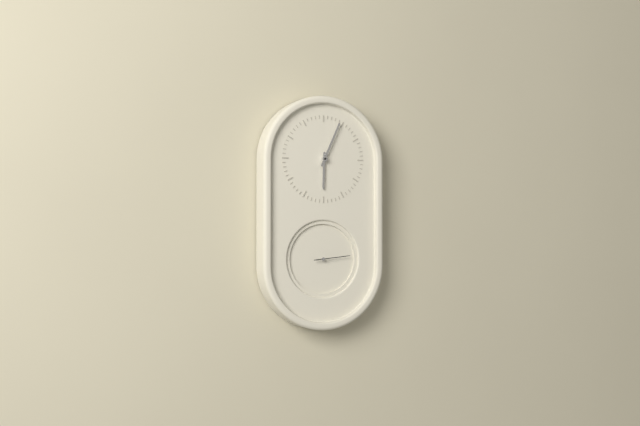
6:04
